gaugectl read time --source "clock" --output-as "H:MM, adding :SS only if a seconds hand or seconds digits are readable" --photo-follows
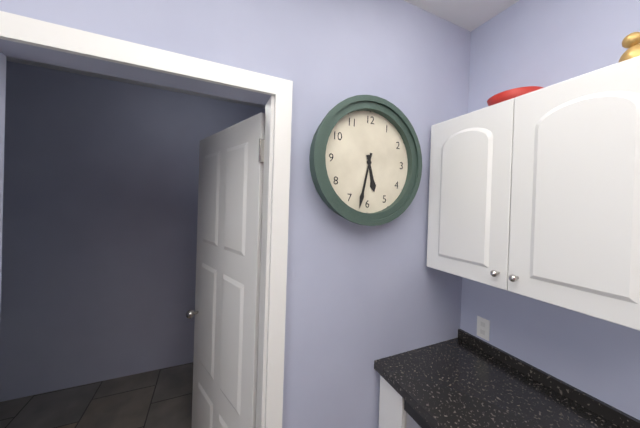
5:32
